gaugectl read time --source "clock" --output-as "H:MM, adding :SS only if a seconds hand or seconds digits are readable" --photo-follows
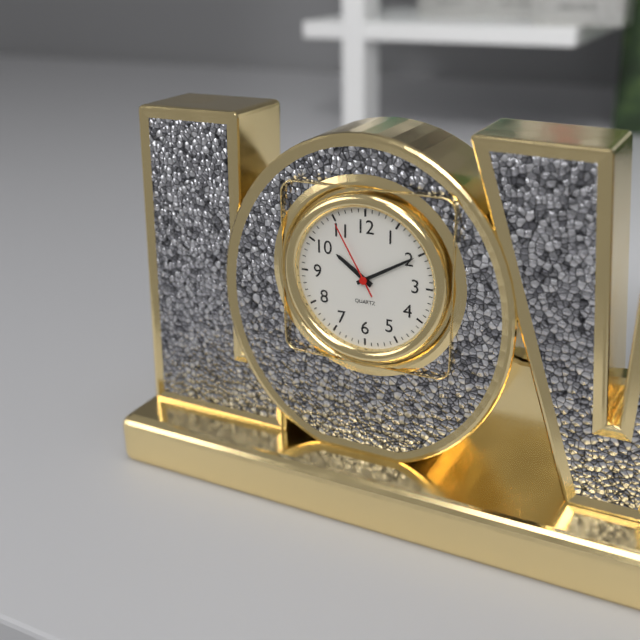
10:10:55
